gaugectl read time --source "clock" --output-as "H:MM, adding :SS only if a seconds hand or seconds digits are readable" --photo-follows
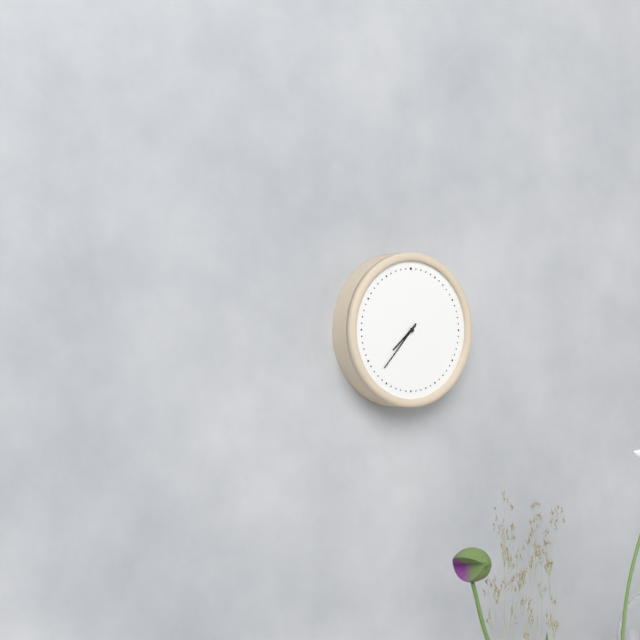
7:37
